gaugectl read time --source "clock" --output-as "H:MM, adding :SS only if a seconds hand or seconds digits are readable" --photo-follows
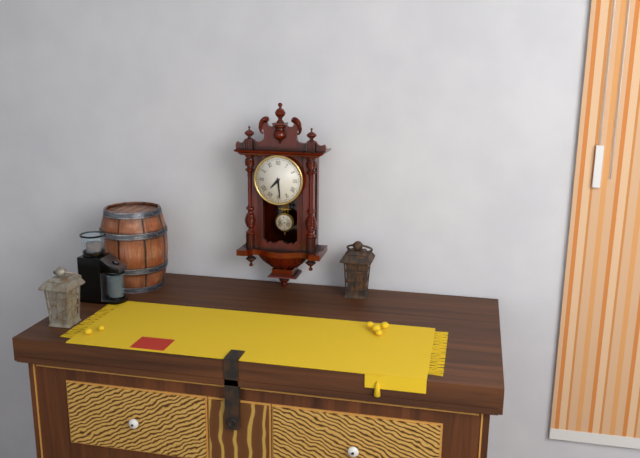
7:29
